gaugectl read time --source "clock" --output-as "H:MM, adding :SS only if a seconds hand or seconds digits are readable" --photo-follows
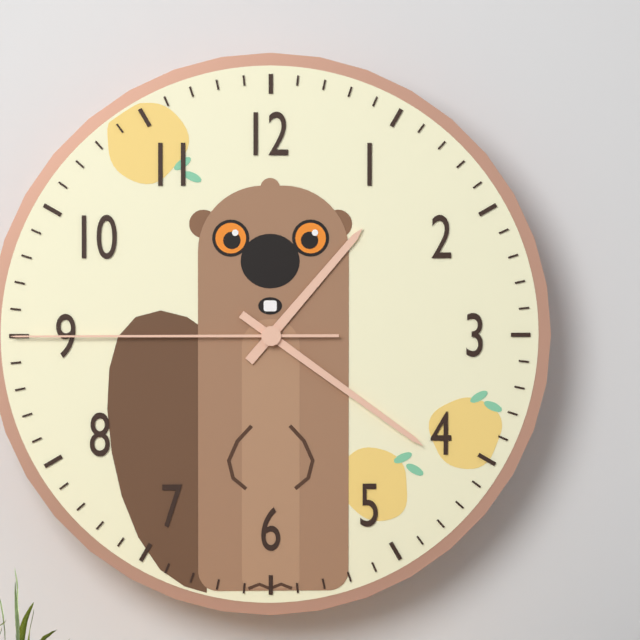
1:21:45
